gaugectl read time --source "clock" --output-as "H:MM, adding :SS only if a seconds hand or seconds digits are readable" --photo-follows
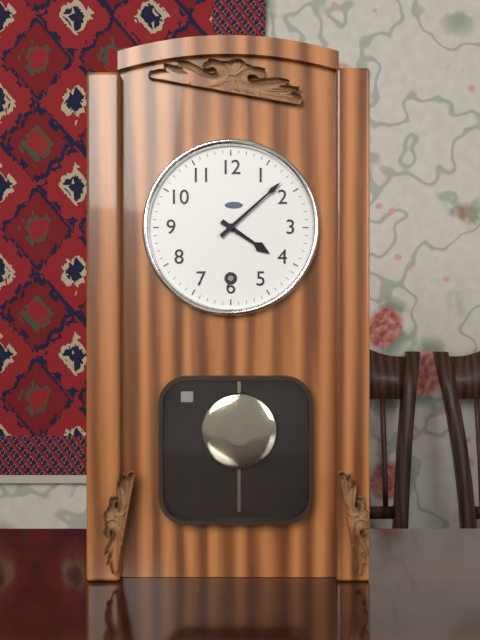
4:08
